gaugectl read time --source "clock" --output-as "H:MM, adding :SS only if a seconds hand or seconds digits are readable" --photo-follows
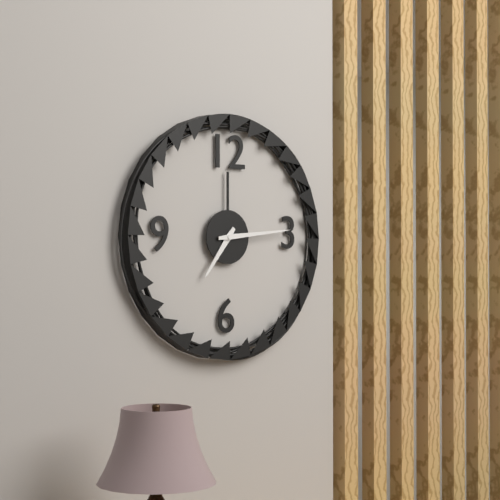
7:14
